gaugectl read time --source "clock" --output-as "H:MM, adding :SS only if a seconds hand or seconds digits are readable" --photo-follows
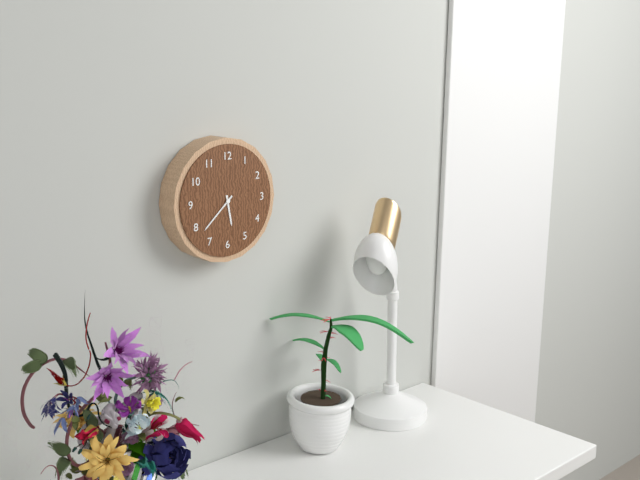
5:38
